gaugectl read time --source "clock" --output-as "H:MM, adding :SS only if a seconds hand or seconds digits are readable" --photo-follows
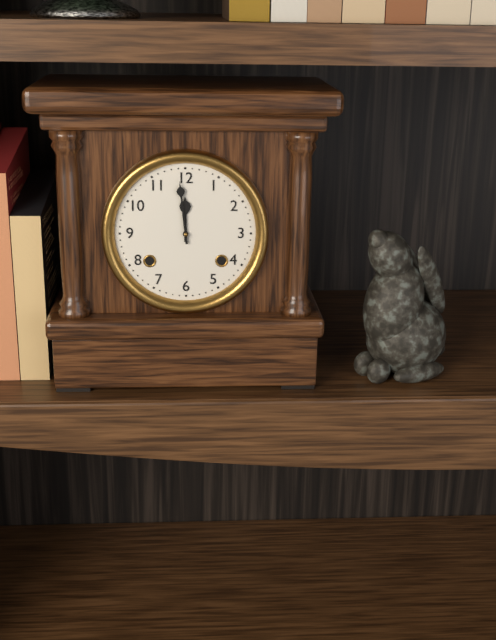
11:59
